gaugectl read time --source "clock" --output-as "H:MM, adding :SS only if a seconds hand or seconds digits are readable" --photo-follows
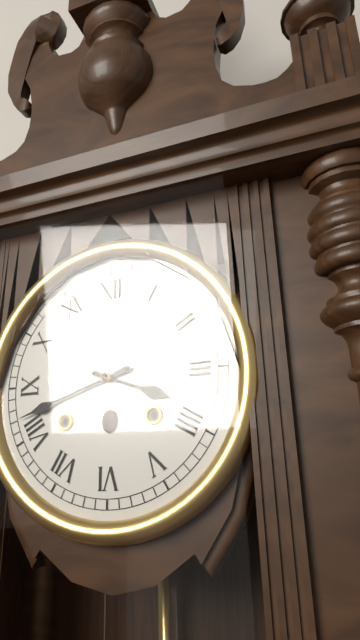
3:42
